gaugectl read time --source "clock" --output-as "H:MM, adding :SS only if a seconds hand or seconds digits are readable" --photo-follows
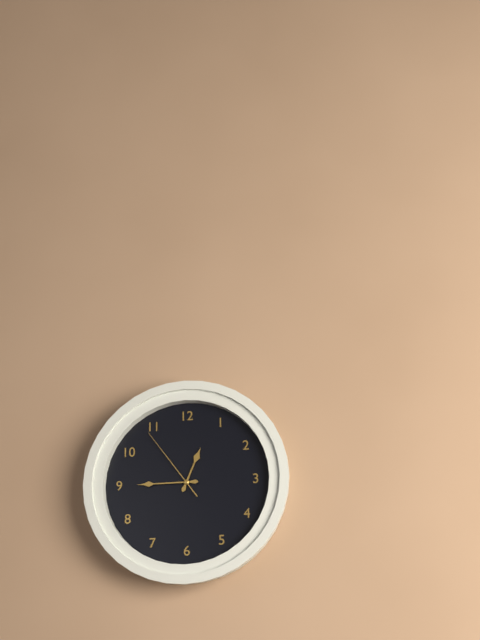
12:45:54
